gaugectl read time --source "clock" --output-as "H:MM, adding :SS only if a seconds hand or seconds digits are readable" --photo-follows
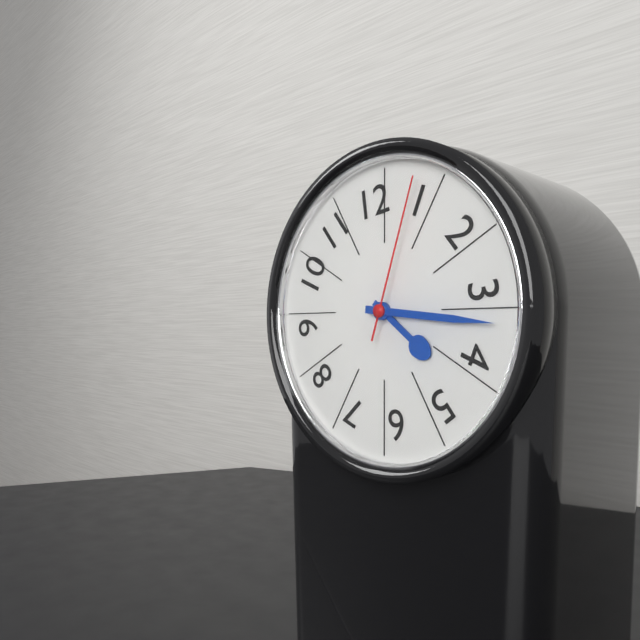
4:16:03
